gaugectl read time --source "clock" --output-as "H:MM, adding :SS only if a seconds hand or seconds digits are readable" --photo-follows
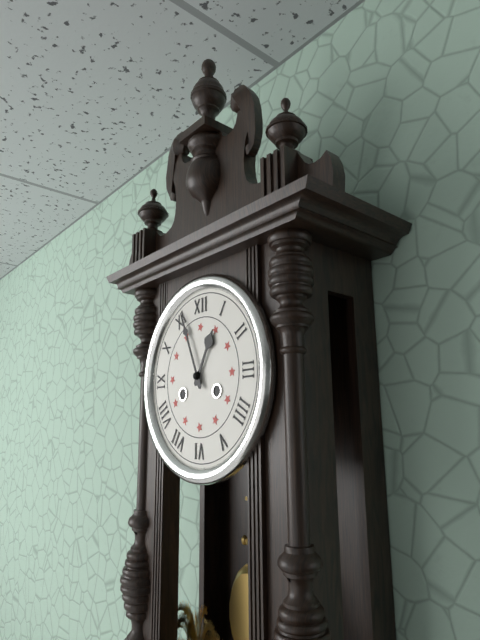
12:56
